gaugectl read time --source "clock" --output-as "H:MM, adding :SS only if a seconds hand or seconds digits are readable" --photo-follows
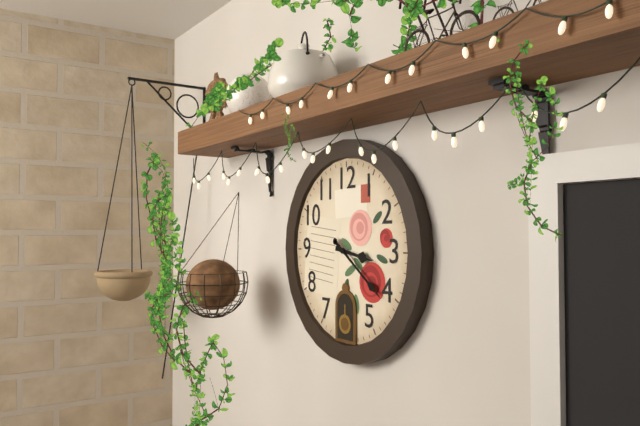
3:21
